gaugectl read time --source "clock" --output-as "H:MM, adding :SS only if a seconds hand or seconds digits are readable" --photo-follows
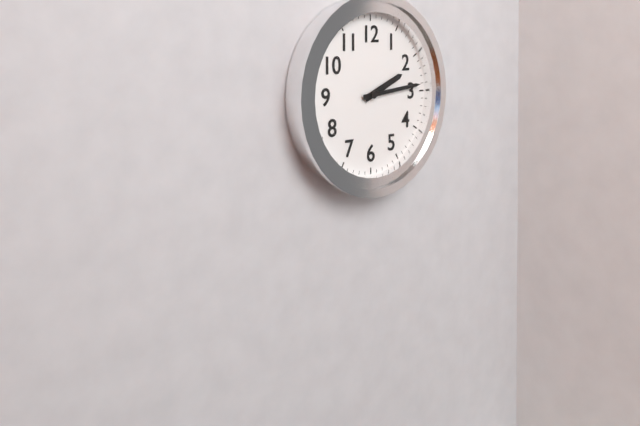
2:14
